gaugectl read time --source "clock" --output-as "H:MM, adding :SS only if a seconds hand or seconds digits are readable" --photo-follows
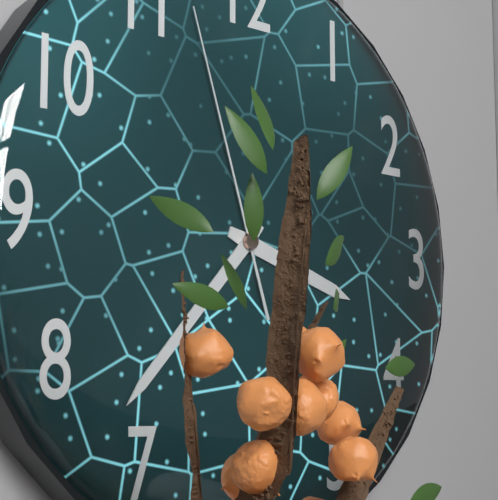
3:37:57
